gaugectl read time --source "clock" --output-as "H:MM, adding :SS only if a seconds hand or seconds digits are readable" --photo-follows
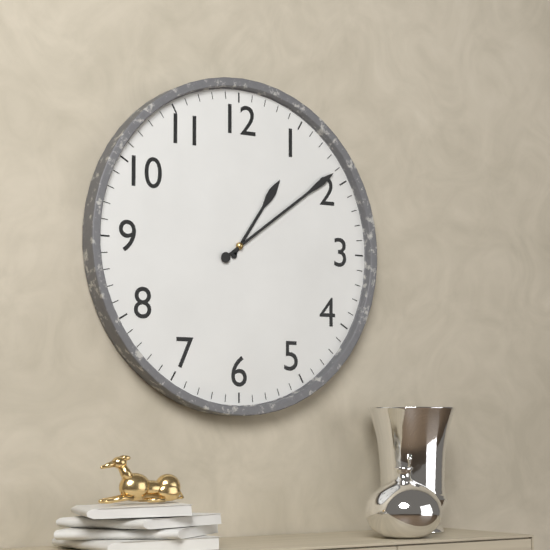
1:09
